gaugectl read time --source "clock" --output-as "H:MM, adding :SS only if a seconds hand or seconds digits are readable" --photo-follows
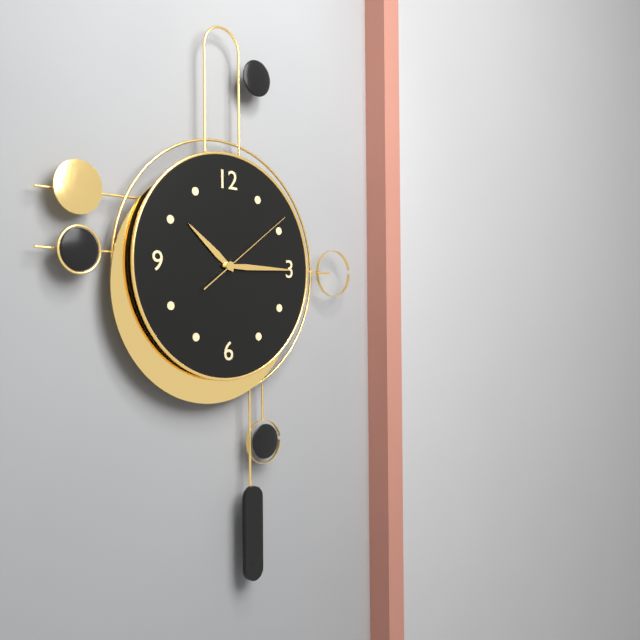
10:15:09
